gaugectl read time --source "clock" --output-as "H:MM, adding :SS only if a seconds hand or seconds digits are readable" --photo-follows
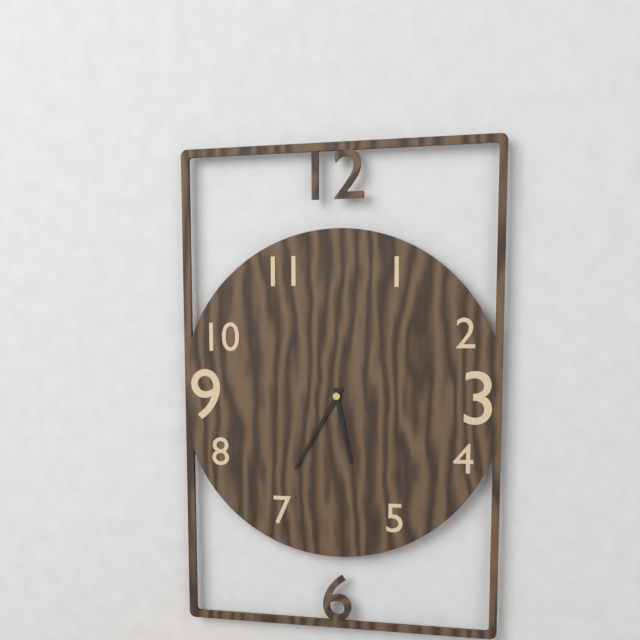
5:35
